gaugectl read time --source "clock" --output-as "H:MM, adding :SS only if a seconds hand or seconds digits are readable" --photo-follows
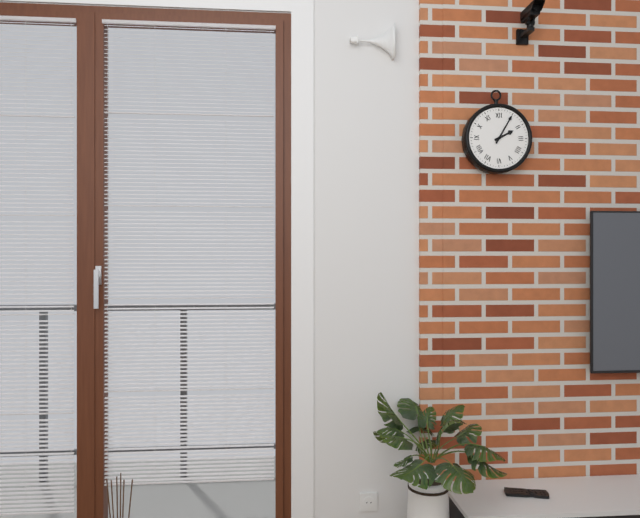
2:05
